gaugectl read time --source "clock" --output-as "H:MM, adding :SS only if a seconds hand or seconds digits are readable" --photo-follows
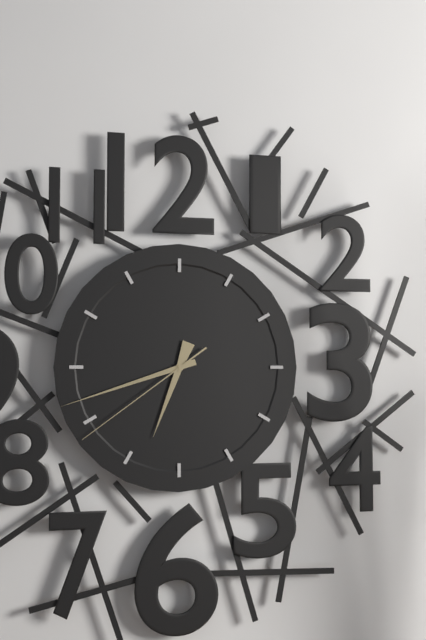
6:42:39
